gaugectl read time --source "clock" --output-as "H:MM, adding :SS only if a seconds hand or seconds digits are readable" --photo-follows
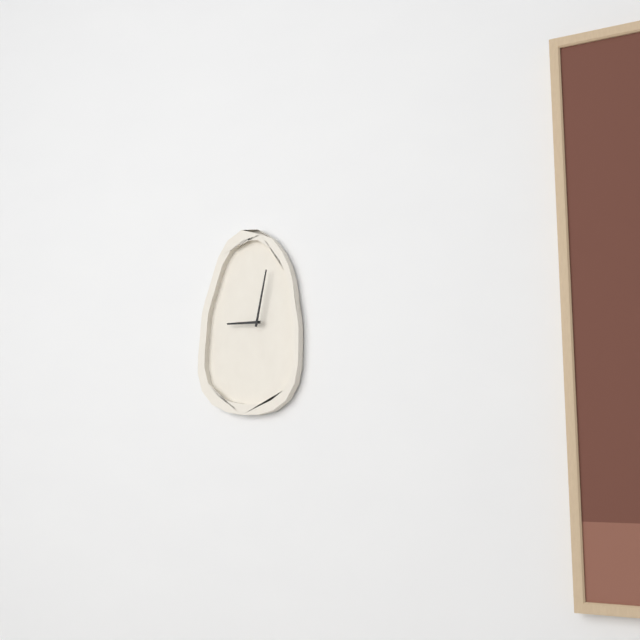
9:02
